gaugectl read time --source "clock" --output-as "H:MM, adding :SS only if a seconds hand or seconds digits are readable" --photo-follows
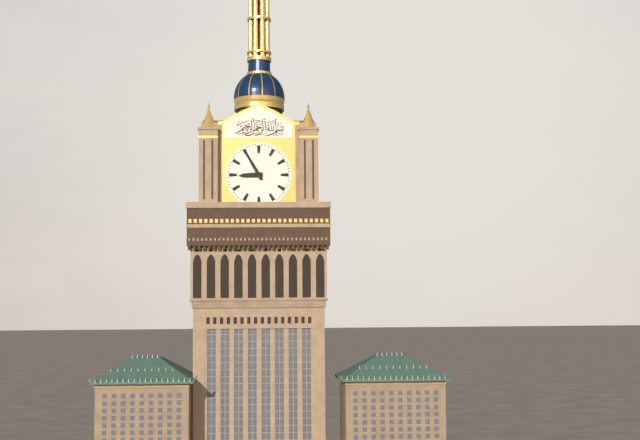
8:55
